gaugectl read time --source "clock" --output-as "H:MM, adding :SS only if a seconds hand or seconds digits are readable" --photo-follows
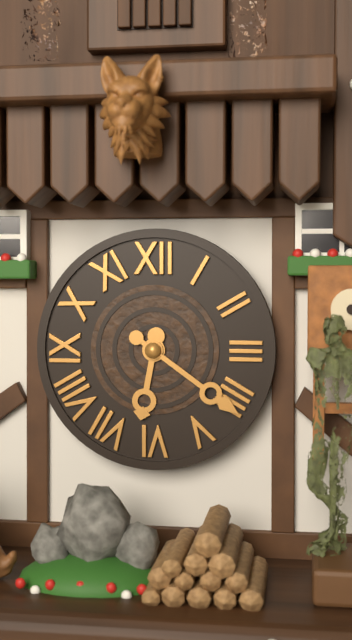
6:21
